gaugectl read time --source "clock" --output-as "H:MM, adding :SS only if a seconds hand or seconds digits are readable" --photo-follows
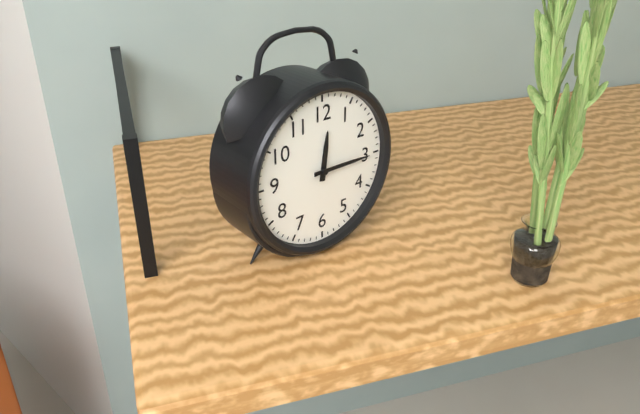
12:15
